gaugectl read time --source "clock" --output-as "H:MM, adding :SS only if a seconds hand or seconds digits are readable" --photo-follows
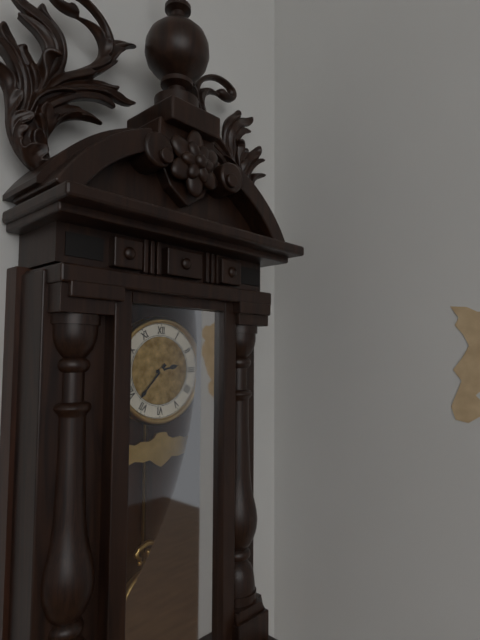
2:37
